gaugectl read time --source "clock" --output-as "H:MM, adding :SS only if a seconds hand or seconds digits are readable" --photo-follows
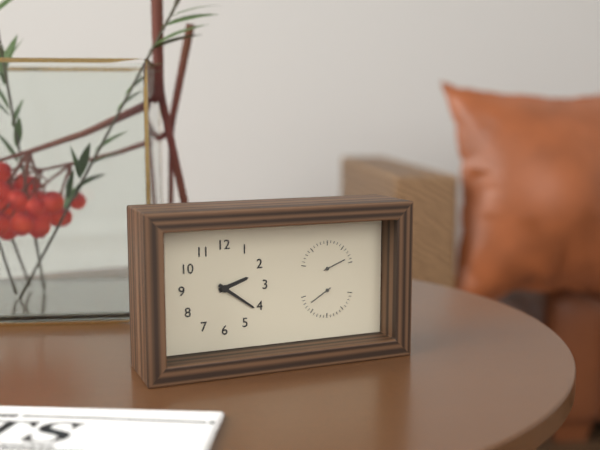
2:21
